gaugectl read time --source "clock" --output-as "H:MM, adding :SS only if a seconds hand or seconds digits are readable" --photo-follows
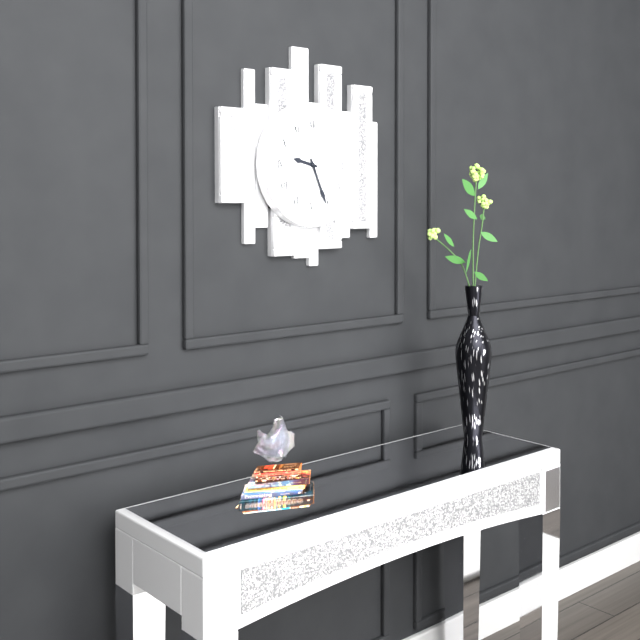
9:26
